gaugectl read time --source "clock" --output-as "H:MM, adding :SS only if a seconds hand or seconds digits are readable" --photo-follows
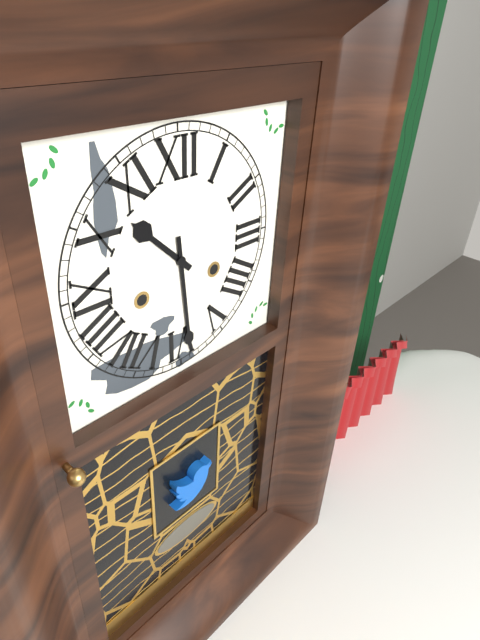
10:29
